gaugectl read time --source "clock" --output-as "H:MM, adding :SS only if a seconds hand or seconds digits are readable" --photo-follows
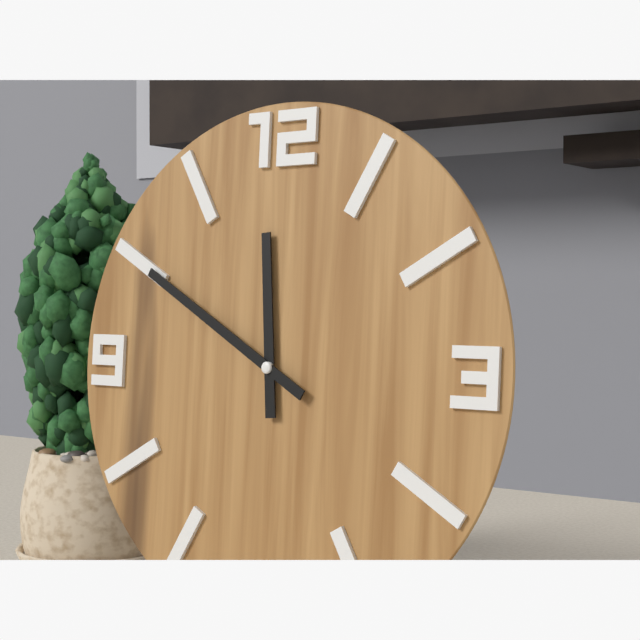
11:50
